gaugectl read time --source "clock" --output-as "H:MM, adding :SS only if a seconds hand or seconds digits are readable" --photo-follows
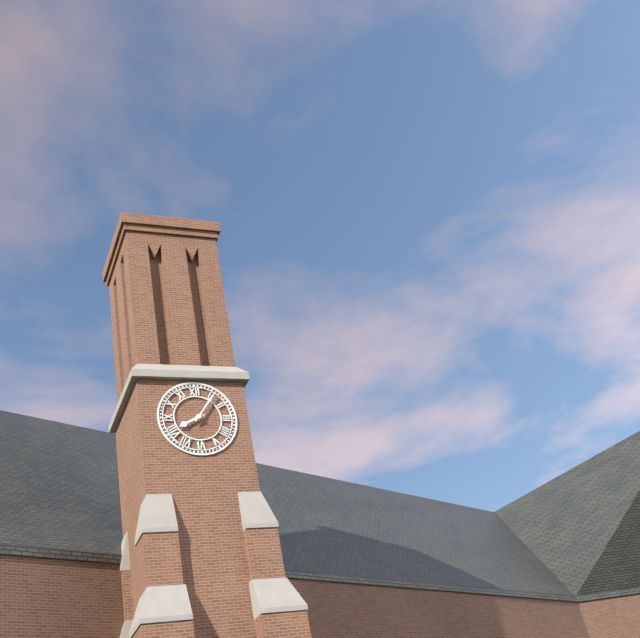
8:06
